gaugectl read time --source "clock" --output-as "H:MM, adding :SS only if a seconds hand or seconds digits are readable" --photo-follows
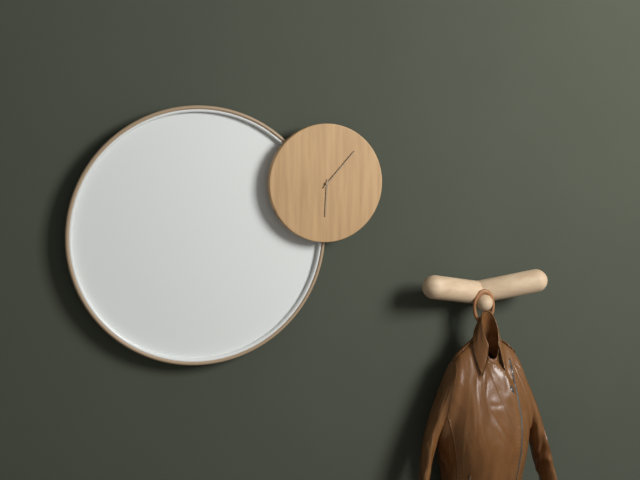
6:07
